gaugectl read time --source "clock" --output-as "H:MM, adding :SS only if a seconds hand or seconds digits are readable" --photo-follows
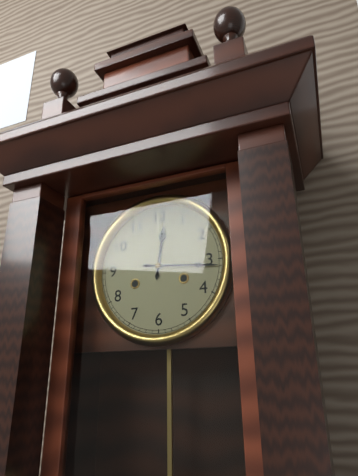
12:16
